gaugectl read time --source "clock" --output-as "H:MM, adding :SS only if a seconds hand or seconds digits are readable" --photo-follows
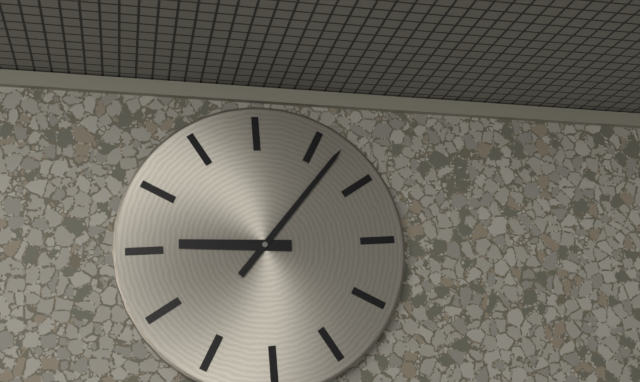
9:07
